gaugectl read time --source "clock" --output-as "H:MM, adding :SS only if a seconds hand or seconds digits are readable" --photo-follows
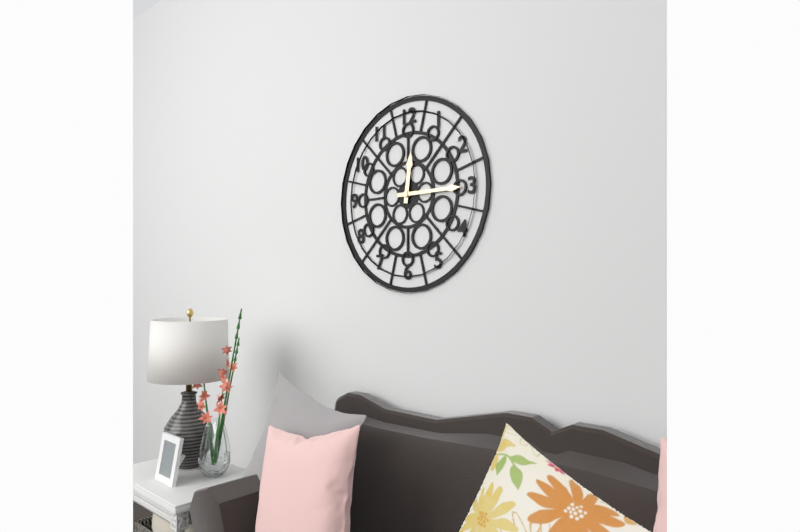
12:15
